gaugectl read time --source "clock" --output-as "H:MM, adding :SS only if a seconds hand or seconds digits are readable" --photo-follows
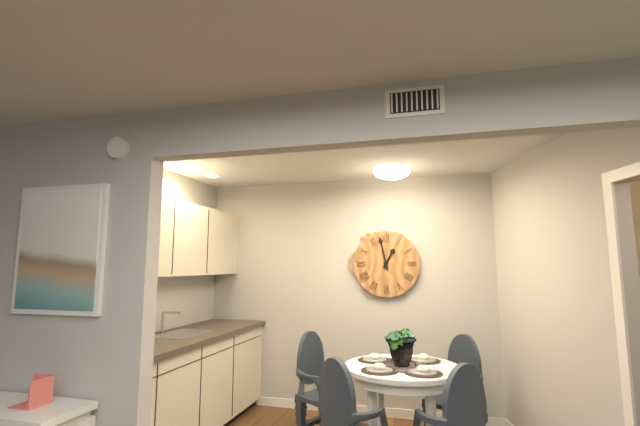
12:58
